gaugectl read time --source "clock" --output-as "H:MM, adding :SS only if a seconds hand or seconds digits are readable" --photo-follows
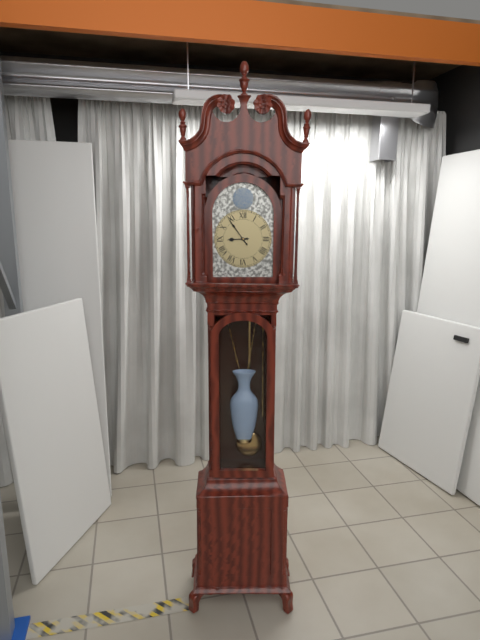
8:54
